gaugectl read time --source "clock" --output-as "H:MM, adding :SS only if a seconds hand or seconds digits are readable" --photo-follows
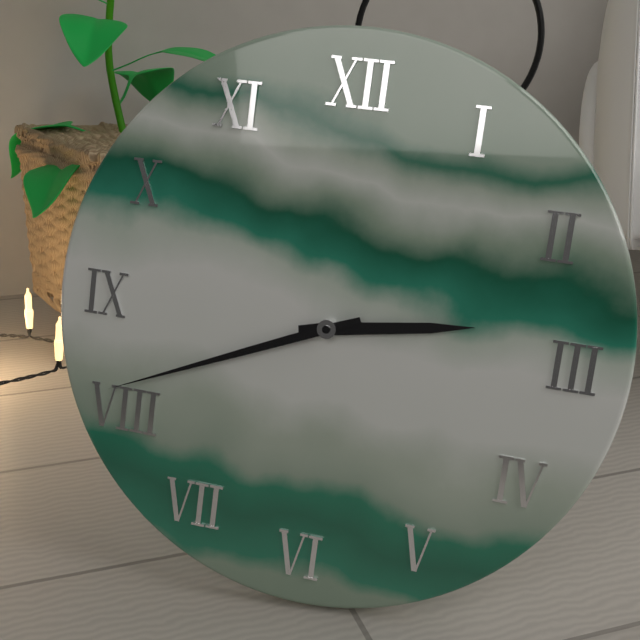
2:41
